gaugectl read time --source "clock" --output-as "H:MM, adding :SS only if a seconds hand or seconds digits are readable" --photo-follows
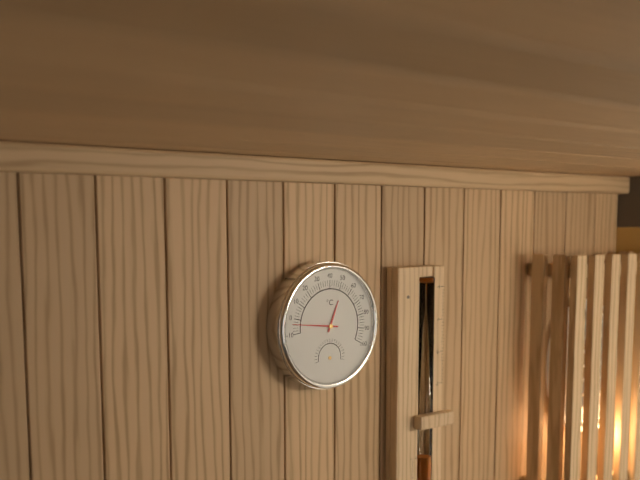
12:46
